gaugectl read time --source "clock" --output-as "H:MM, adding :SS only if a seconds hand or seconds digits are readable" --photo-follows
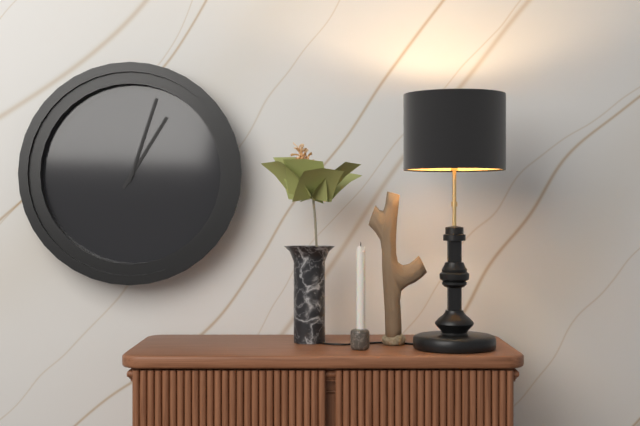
1:03
